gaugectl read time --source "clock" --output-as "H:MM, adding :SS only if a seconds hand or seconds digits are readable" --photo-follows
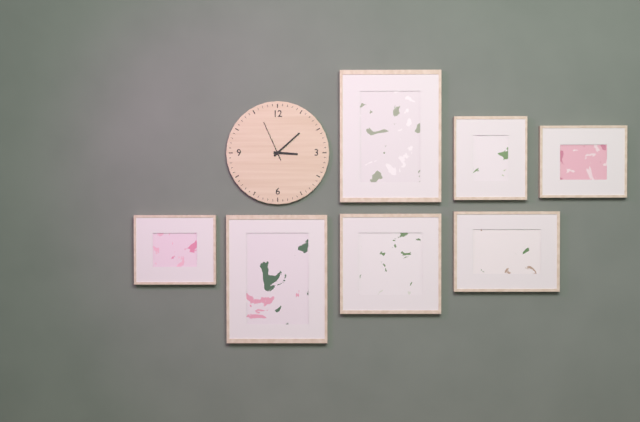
3:08
